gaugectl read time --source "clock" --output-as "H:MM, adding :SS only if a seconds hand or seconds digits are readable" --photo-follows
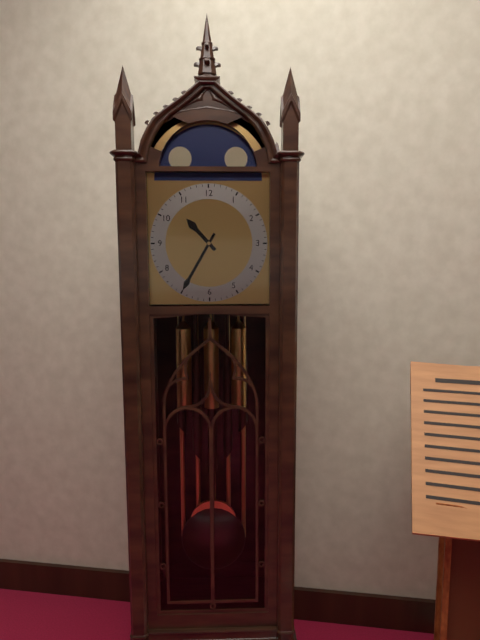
10:35
